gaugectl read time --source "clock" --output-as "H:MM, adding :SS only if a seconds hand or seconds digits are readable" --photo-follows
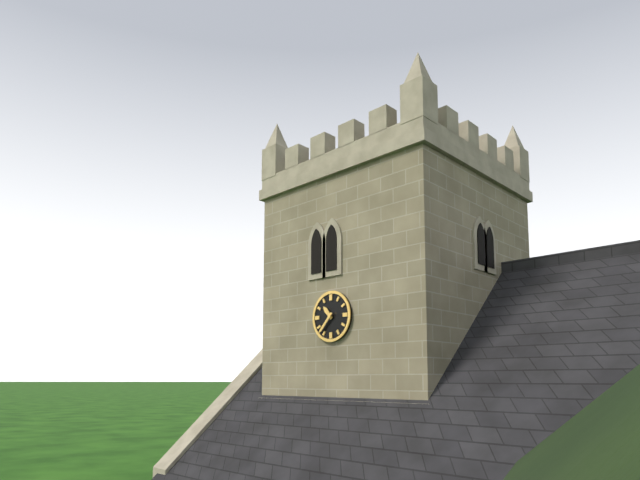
10:37
